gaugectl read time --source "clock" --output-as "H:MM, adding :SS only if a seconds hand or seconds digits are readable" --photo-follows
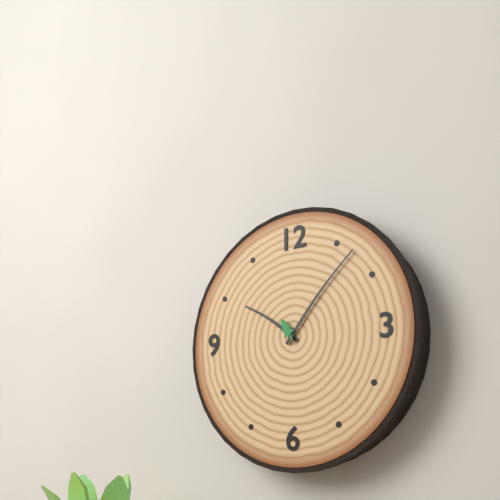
10:07
